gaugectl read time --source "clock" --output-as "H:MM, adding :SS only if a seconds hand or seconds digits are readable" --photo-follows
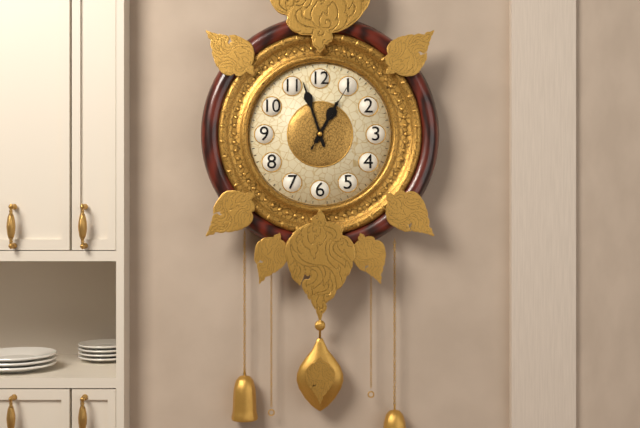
12:57:05
